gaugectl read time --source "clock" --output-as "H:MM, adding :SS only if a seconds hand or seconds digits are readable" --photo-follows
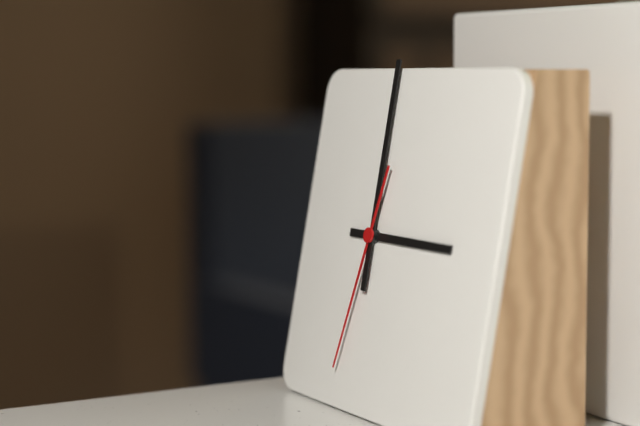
3:00:32
